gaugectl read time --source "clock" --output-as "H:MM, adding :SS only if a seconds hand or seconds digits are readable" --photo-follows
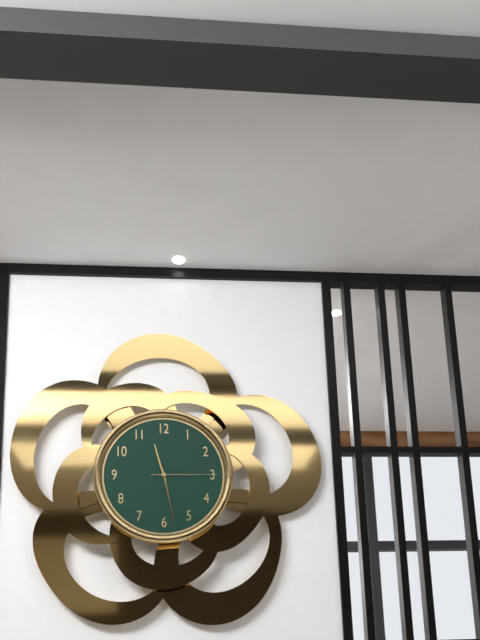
11:28:15
